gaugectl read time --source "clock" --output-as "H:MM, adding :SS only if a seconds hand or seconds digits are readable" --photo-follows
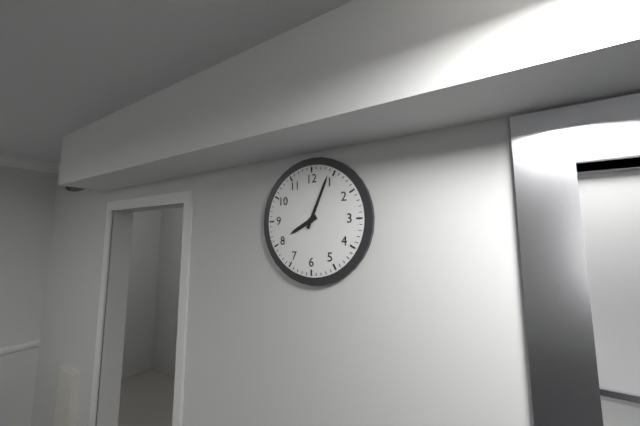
8:04
